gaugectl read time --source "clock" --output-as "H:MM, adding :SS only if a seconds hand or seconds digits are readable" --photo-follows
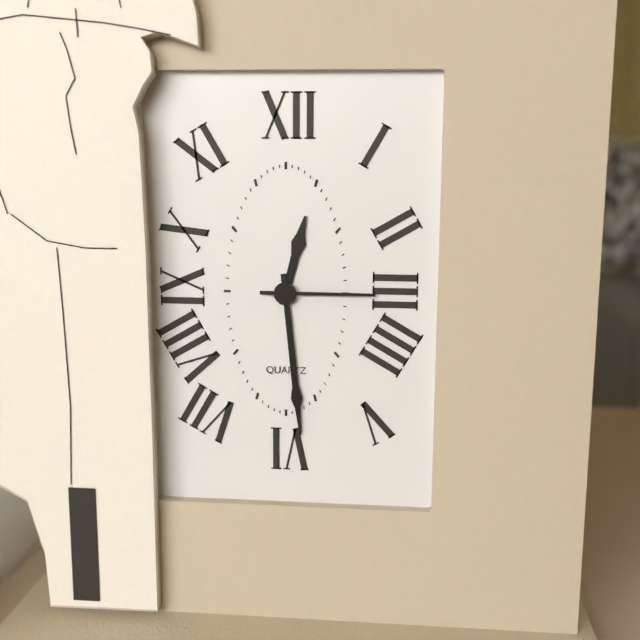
12:29:15
